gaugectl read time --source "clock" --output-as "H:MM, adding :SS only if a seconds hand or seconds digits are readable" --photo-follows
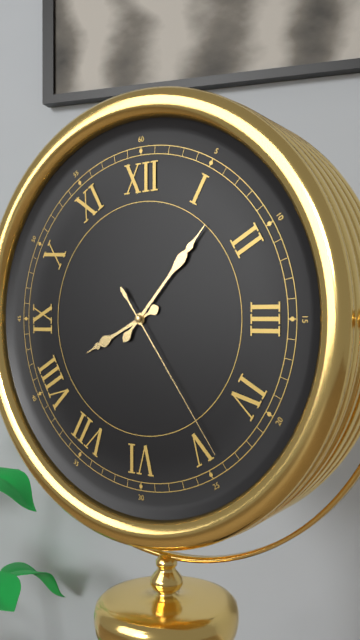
8:07:24
